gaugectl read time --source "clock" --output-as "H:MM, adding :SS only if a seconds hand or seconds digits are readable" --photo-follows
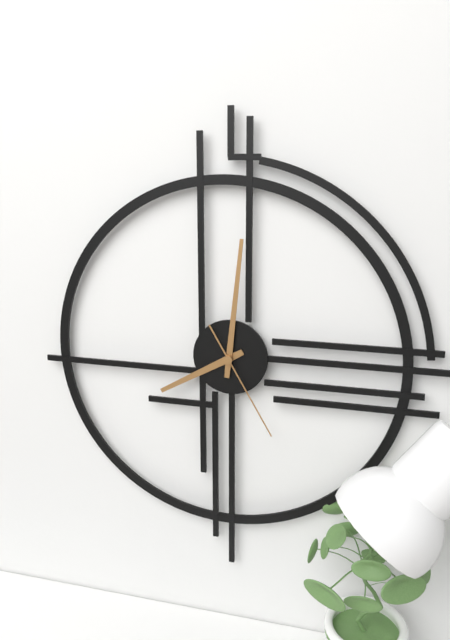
8:01:25
